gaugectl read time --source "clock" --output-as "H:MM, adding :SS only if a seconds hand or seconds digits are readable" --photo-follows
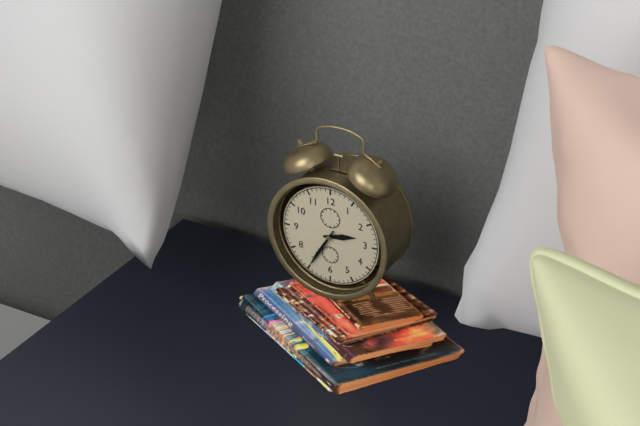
2:35
